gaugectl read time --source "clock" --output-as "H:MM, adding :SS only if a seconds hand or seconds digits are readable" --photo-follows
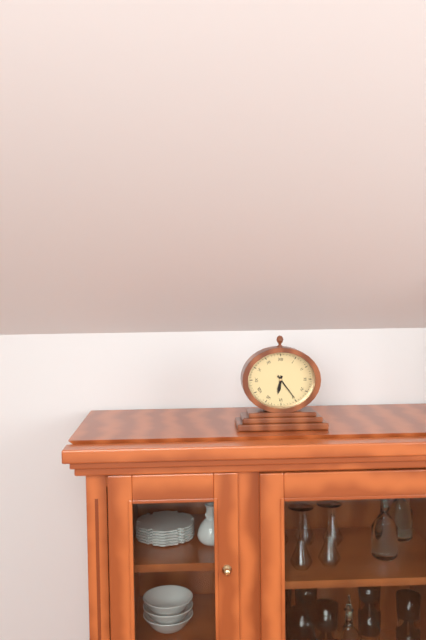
6:24
